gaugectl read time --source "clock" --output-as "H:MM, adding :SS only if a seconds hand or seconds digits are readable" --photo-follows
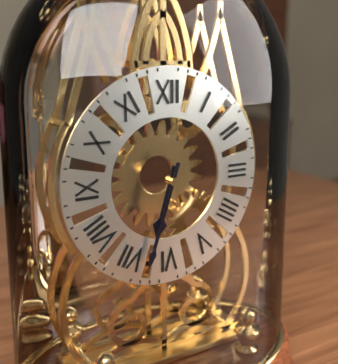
6:33
